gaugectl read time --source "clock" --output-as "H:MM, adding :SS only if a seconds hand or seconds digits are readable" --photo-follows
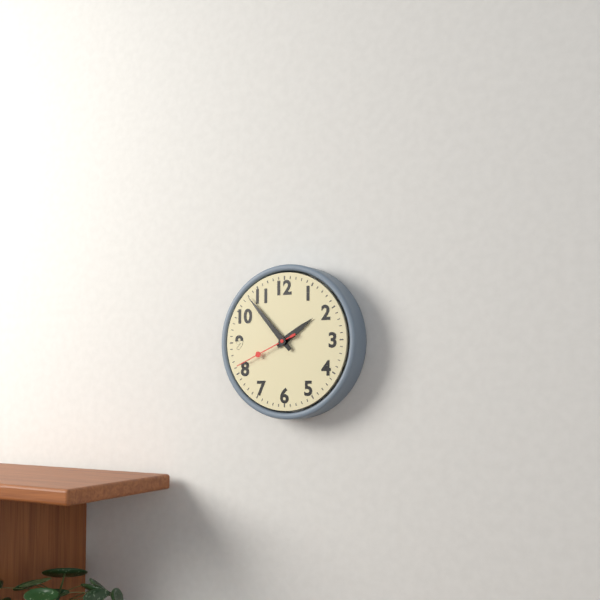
1:53:41
